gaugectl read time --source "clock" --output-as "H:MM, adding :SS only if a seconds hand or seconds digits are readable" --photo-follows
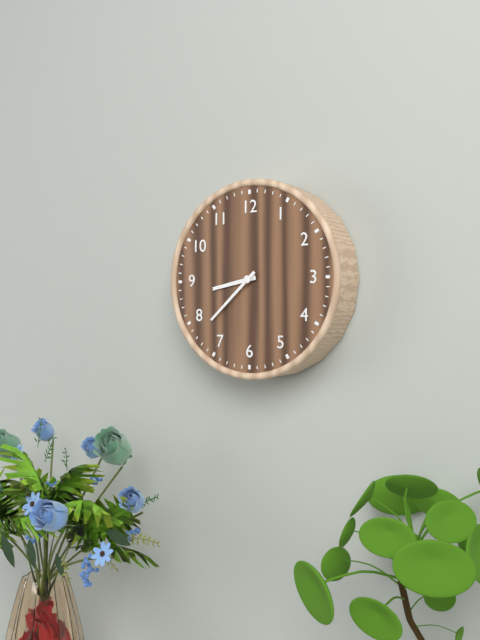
8:38
